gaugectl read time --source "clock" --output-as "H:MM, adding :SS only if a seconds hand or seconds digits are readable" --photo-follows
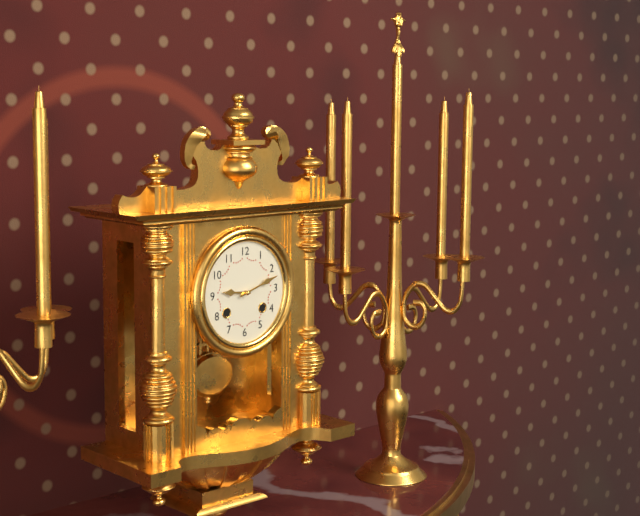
9:12
